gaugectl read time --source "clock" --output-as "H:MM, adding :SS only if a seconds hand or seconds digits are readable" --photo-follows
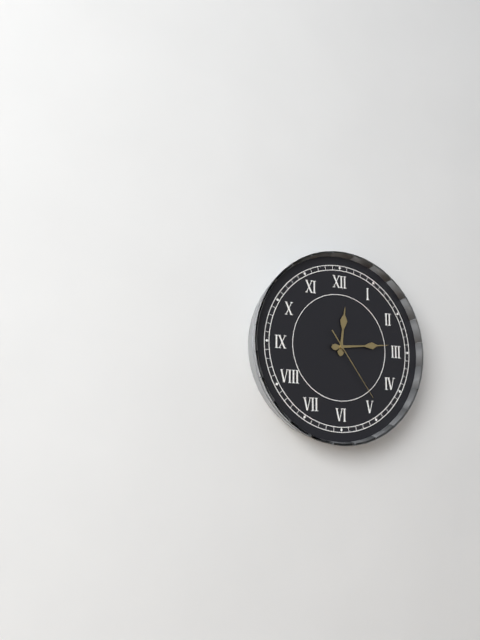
12:14:24
